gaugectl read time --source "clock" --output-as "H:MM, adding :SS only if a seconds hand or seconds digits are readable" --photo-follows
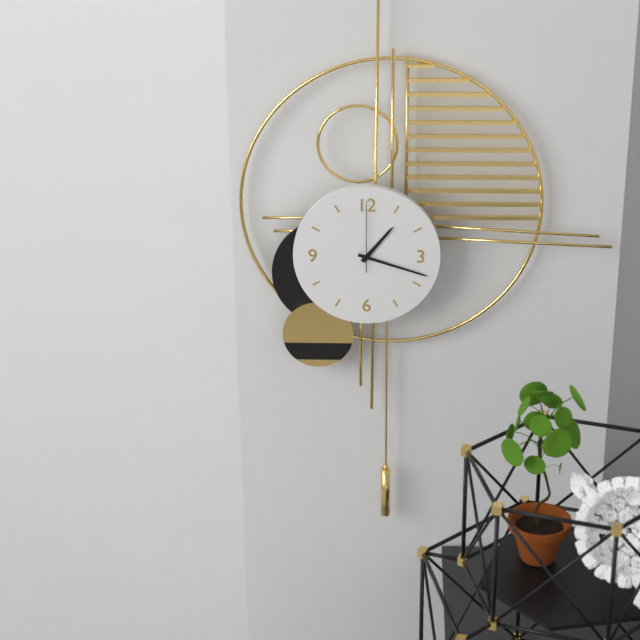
1:18:00
